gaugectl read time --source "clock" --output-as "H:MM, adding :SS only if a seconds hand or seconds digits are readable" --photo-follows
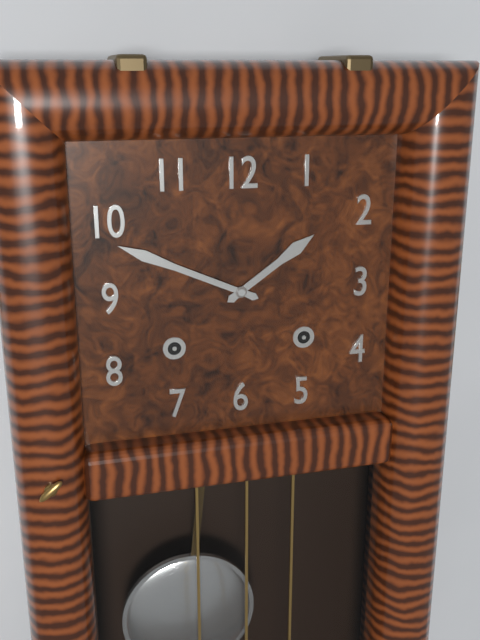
1:49
